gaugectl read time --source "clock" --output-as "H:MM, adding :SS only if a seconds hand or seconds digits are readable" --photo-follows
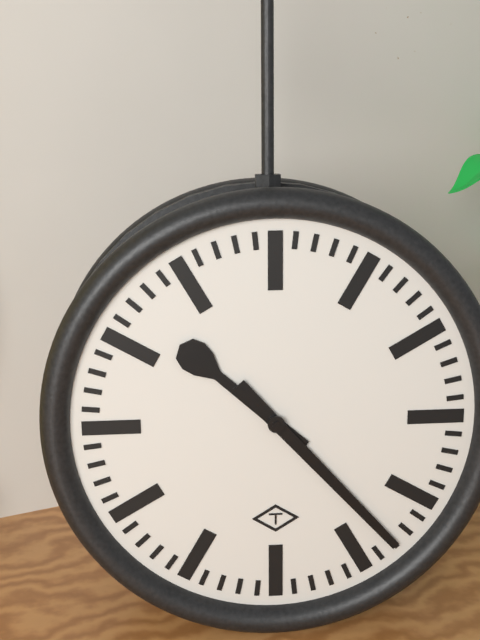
10:23
